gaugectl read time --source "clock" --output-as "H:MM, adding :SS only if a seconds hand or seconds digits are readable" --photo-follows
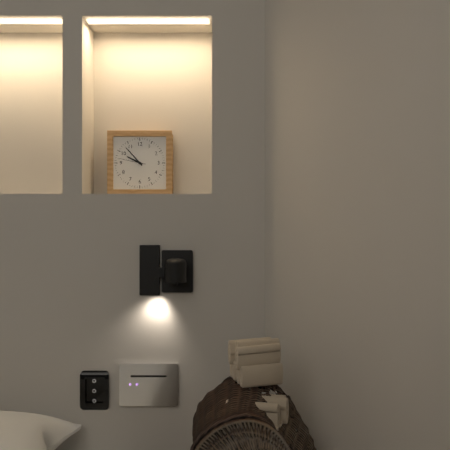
9:53
